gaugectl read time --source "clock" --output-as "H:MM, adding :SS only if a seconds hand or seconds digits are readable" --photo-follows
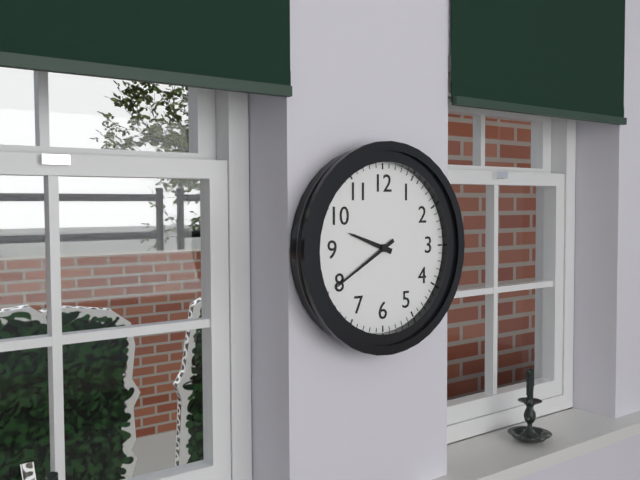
9:40
